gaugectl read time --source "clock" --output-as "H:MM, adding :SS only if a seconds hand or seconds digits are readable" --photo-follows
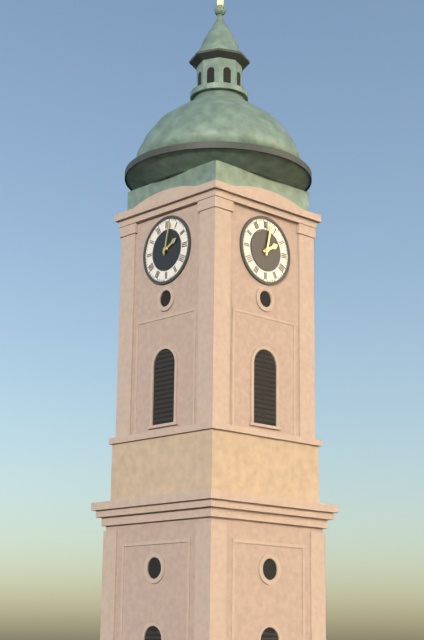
2:02
